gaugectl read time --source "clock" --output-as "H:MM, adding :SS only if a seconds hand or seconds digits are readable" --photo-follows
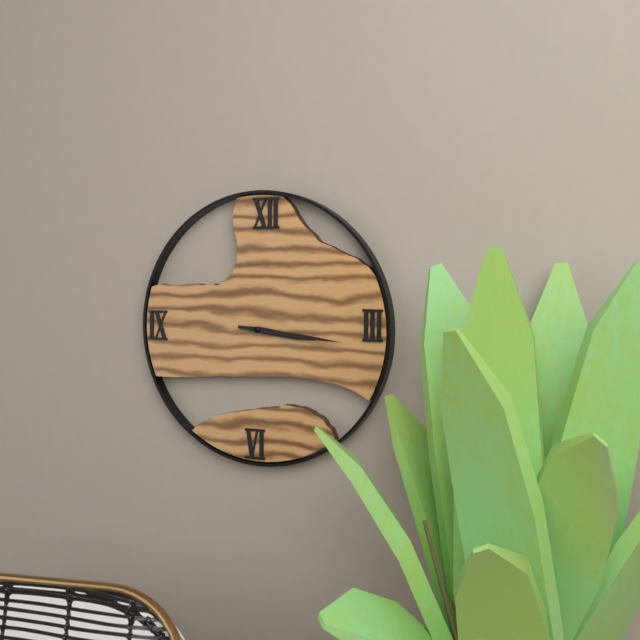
3:16
